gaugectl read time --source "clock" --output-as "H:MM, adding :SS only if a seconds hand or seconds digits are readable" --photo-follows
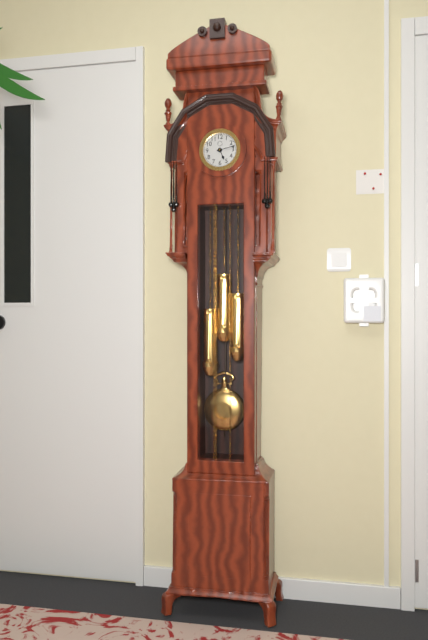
5:13
